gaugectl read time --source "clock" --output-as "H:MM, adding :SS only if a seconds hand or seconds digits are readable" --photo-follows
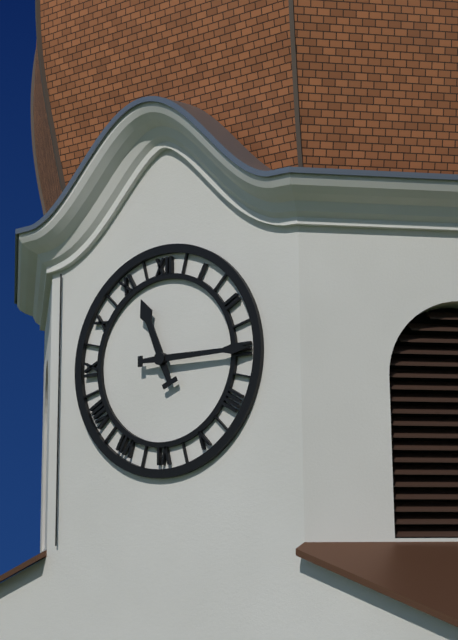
11:15
